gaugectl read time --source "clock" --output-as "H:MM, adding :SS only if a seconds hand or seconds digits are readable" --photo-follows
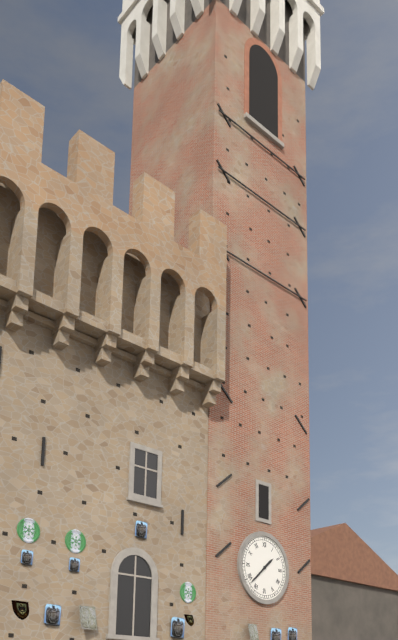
1:38
